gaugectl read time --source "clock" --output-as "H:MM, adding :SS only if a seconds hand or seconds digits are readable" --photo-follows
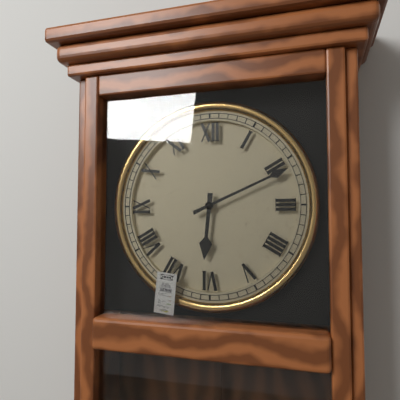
6:11
